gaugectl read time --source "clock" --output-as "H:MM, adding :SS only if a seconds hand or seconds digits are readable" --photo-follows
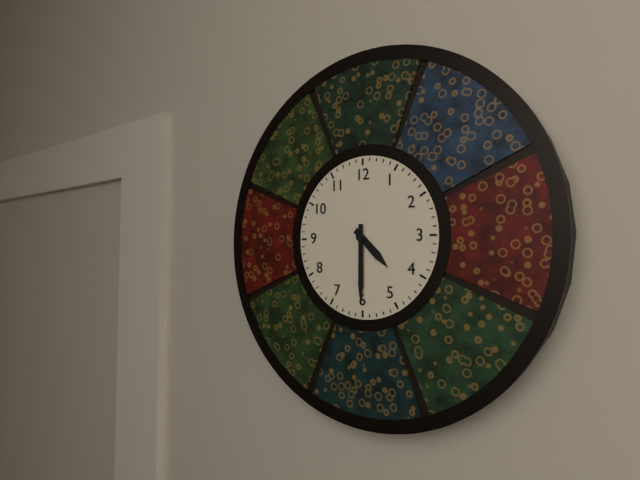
4:30
